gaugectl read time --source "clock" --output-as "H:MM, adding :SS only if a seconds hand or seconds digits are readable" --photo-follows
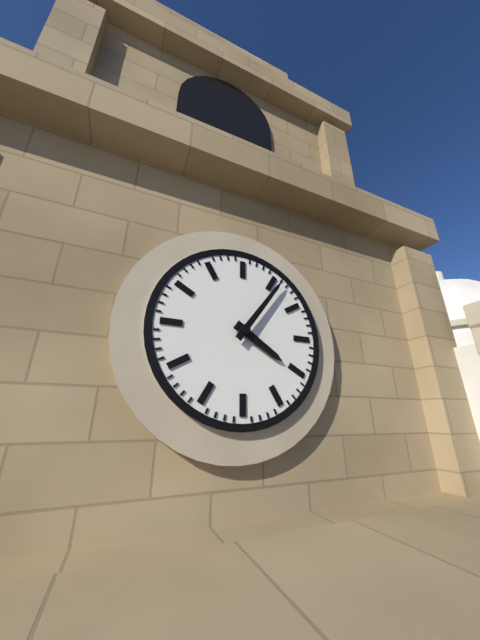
4:06
